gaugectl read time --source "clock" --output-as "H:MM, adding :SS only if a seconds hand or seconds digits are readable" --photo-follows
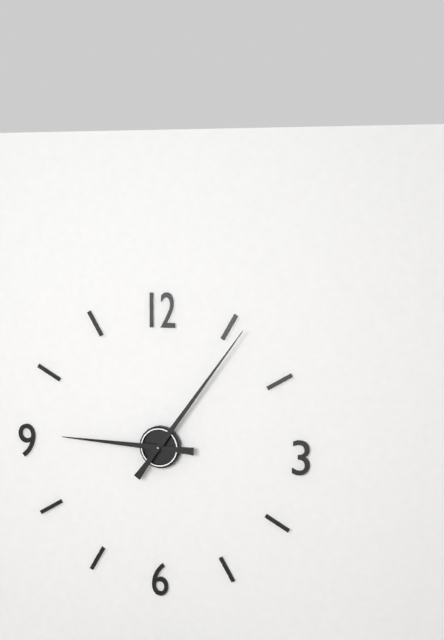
9:06
